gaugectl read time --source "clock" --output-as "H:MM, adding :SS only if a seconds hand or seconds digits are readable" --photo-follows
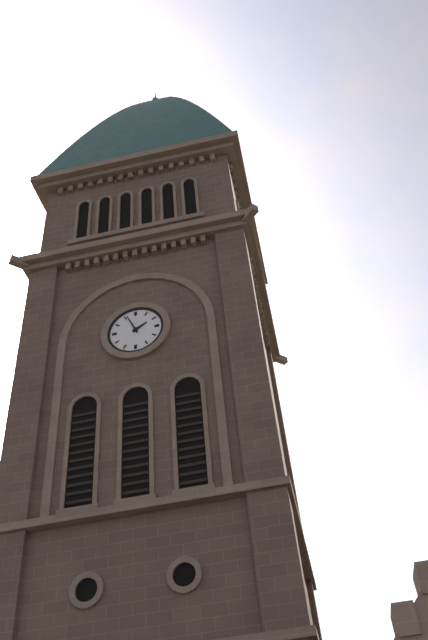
1:56
